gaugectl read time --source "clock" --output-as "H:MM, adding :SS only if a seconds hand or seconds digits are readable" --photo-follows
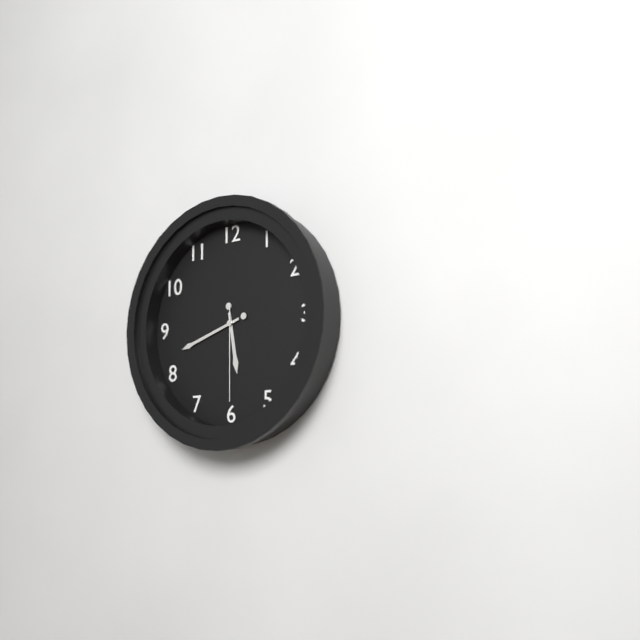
5:42:30
